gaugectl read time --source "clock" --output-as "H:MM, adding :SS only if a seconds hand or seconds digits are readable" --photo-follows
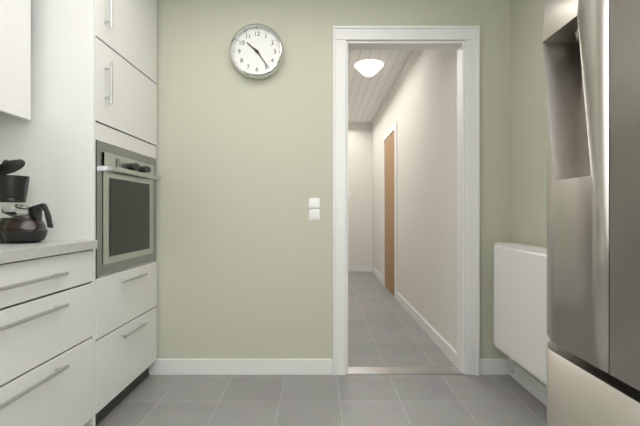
10:24
